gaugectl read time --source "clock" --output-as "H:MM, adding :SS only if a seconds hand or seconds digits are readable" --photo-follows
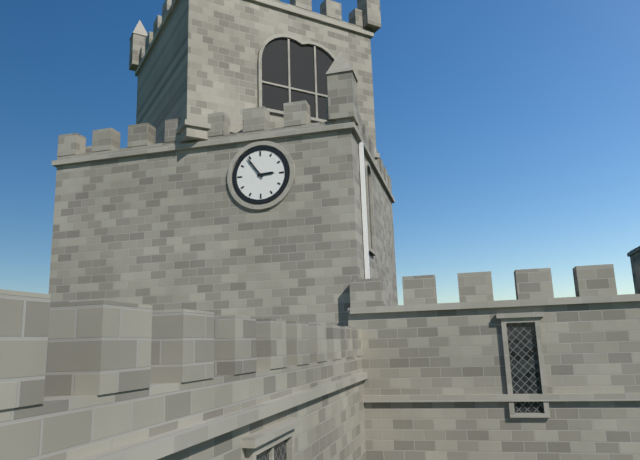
2:54
